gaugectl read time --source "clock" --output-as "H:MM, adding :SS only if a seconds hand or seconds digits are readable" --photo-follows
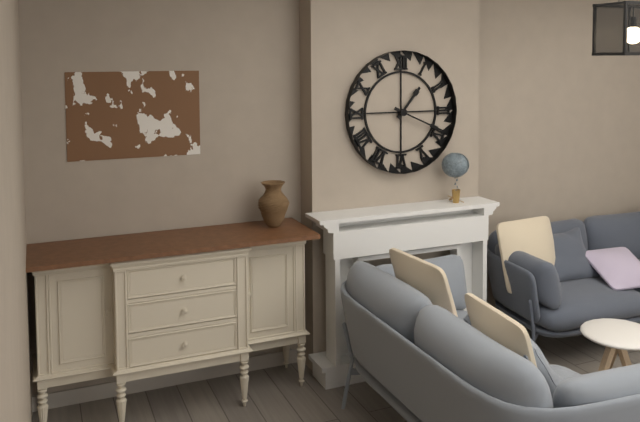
1:19
